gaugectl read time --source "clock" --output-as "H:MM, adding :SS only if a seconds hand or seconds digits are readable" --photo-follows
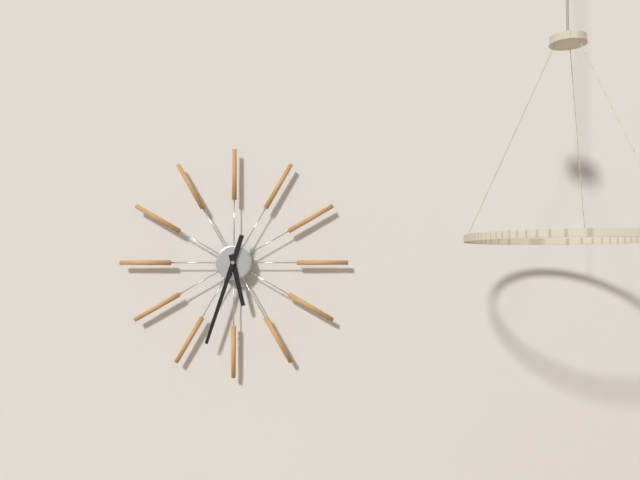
5:33
